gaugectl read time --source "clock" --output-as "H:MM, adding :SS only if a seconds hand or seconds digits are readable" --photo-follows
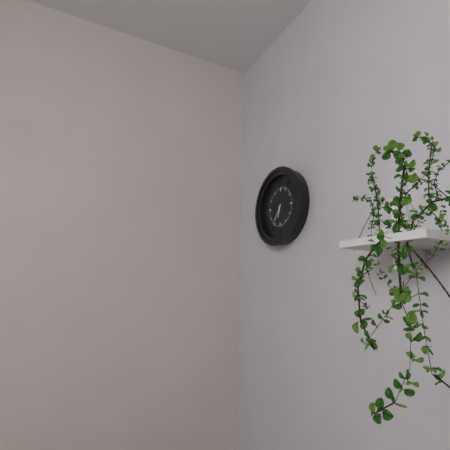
6:36
